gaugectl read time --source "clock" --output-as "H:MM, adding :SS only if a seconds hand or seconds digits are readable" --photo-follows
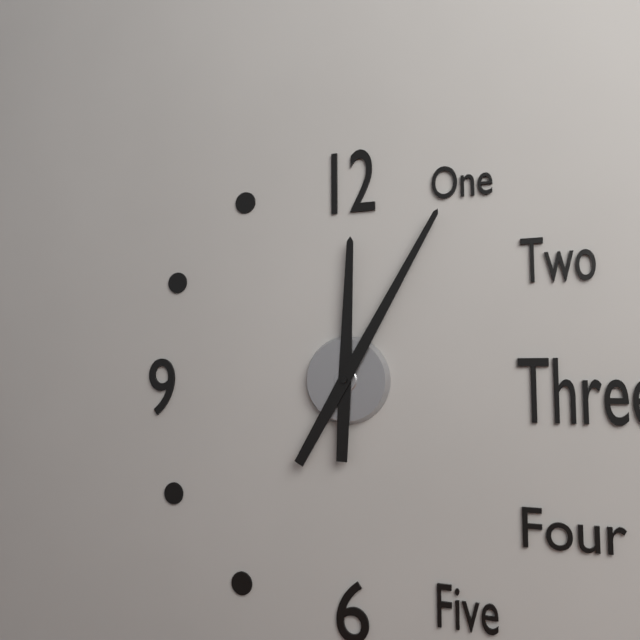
12:05
